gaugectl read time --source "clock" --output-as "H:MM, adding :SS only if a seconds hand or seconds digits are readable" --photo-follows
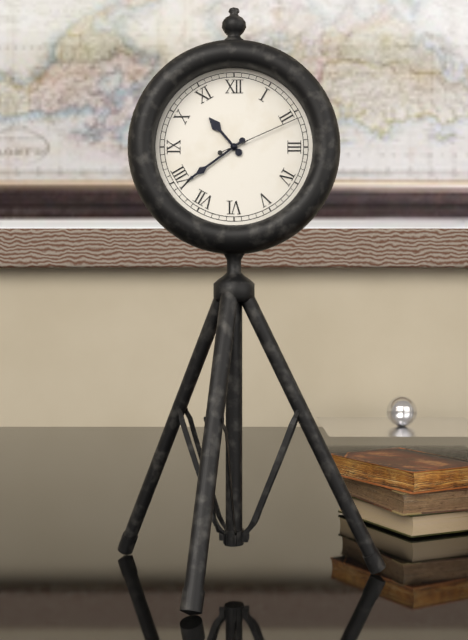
10:39:11
